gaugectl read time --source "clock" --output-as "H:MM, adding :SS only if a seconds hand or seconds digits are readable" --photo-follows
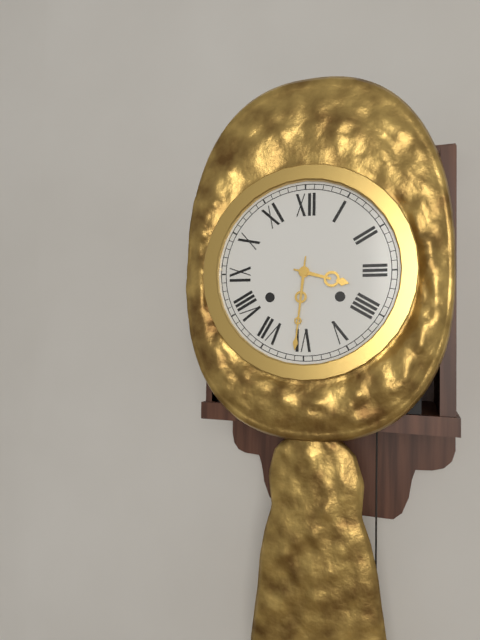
3:31
